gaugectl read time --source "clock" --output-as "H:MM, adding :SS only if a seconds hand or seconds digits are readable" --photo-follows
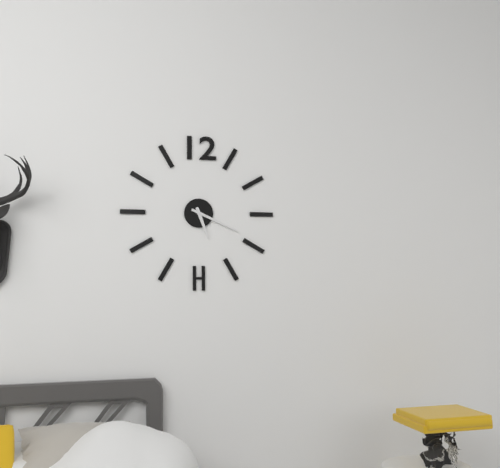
5:19
